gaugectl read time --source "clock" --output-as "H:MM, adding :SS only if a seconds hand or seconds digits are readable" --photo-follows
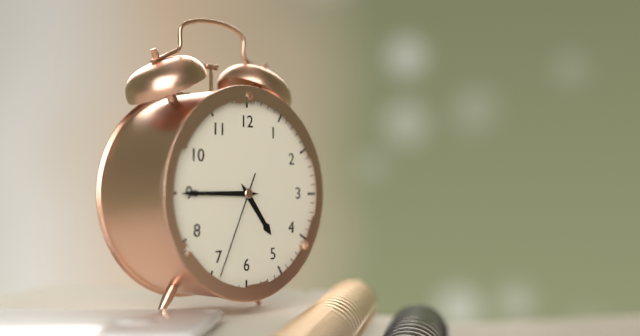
4:45:34
